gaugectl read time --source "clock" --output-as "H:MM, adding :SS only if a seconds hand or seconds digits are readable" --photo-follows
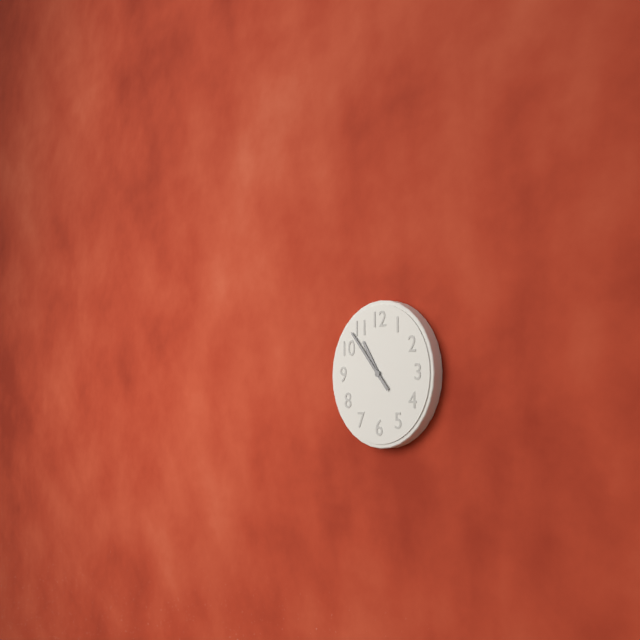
10:53
